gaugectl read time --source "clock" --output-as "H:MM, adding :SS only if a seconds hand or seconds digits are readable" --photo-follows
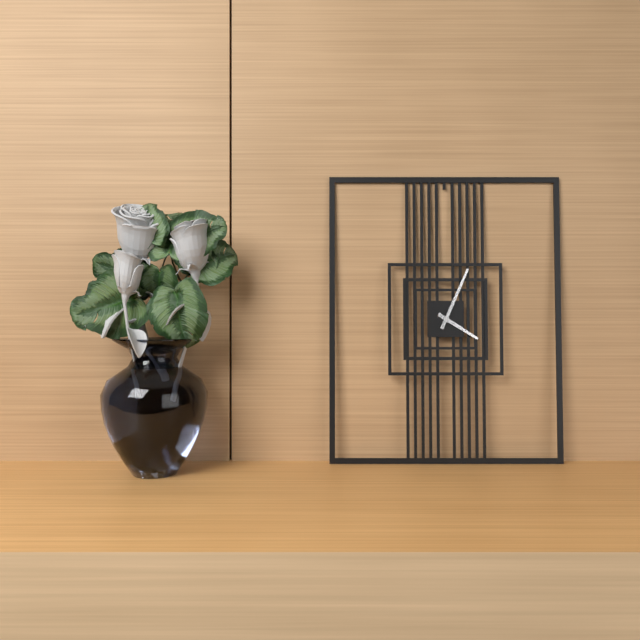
4:04
